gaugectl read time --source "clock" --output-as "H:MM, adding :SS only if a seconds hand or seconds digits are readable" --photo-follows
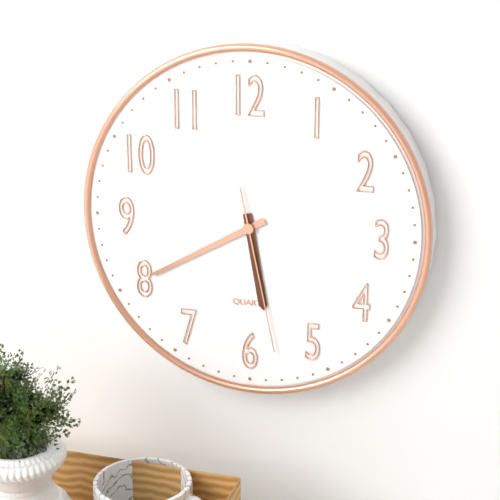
5:40:28
